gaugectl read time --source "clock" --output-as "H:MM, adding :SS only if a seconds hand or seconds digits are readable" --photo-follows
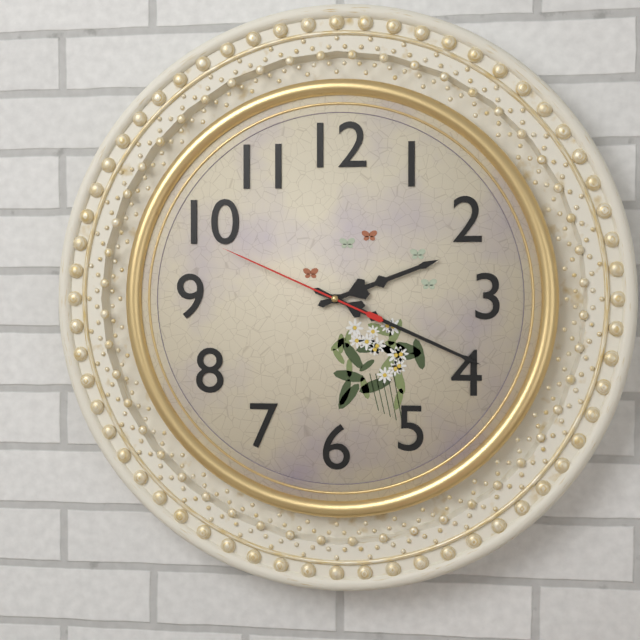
2:19:49
